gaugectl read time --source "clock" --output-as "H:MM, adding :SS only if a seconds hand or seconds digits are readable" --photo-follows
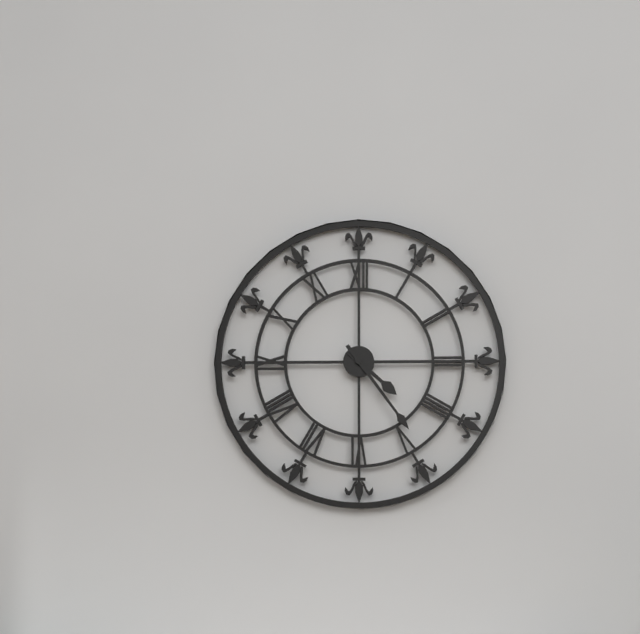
4:24
